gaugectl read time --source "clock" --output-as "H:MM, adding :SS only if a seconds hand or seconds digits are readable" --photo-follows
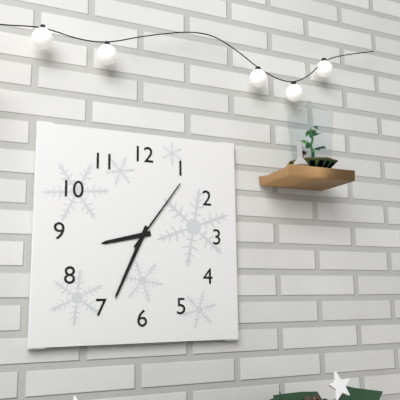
8:34:06
